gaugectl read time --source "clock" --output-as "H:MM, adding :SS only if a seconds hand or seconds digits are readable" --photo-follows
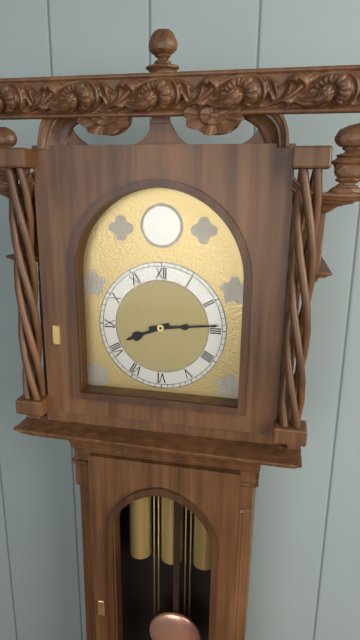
8:14
